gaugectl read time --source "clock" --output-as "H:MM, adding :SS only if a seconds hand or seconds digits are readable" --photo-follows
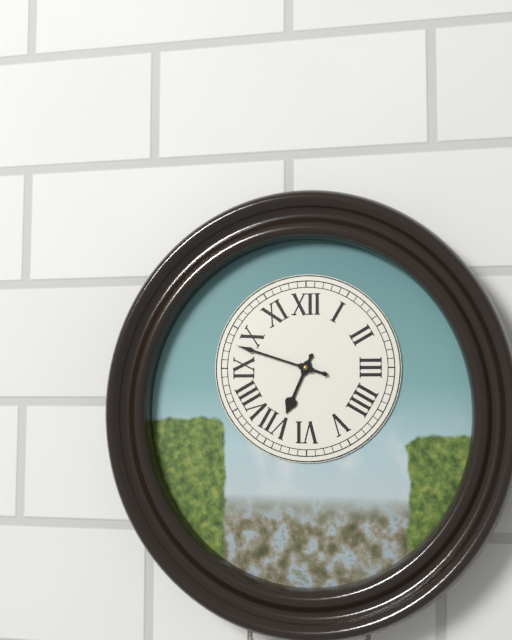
6:48
